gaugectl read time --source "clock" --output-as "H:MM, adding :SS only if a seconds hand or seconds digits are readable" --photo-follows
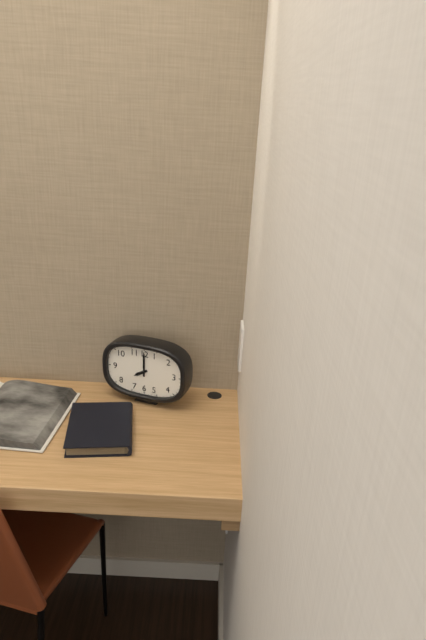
8:00
